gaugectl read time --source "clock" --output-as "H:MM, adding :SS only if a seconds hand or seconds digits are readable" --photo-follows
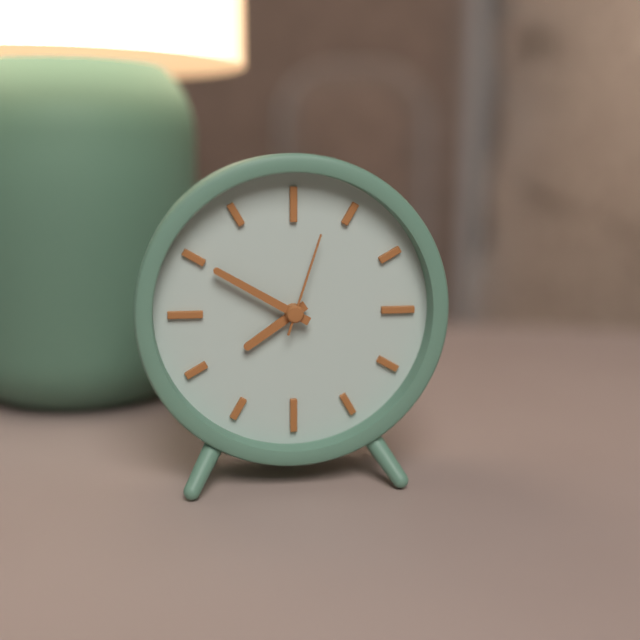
7:50:03
